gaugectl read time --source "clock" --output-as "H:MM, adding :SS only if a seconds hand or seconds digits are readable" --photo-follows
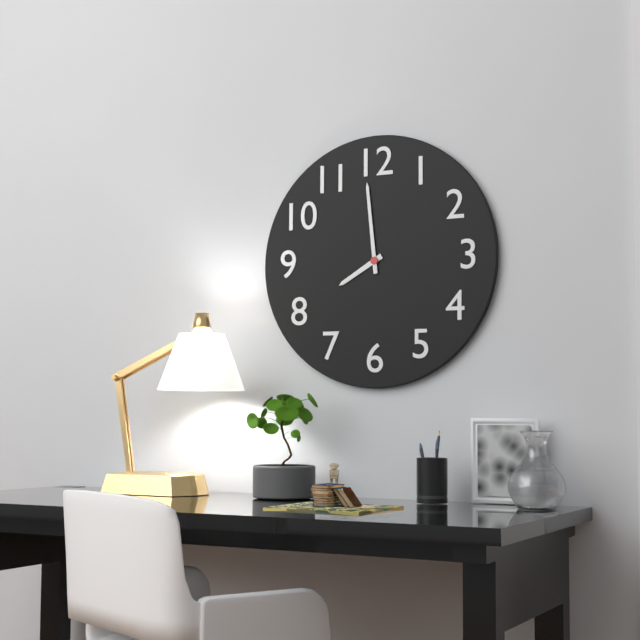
7:59
